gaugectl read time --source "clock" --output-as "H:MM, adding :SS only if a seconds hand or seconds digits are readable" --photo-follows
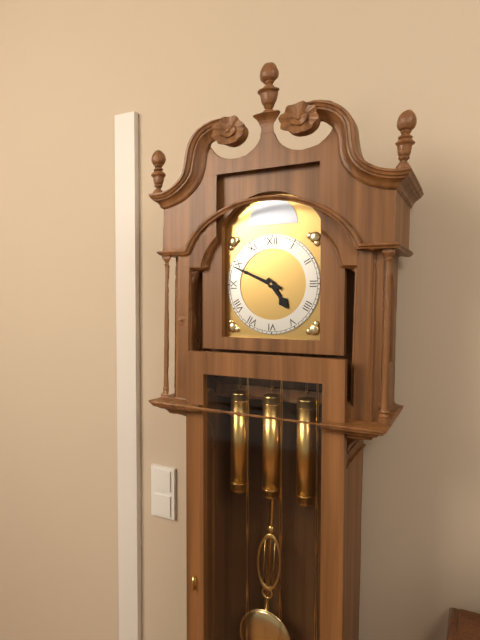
4:49
